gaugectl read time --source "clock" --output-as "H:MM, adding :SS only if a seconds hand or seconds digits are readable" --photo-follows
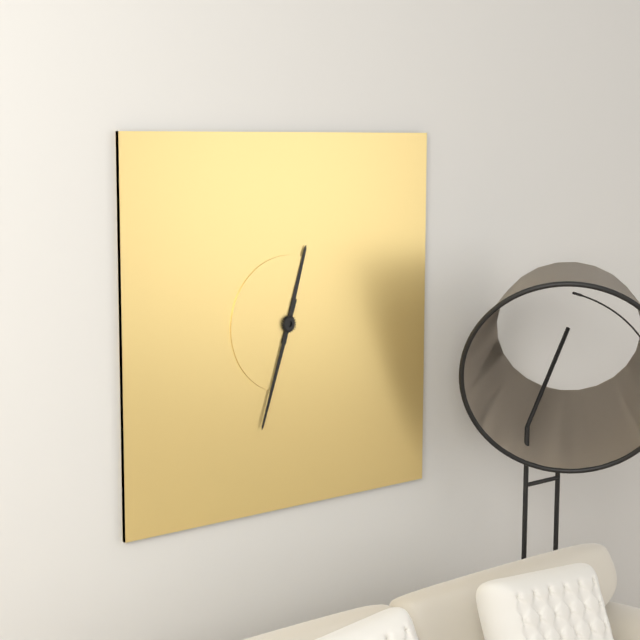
12:33
